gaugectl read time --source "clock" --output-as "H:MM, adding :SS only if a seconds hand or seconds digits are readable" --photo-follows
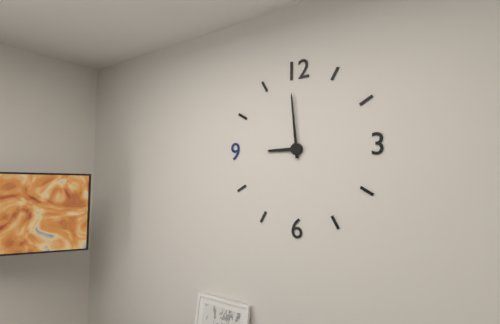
8:59
